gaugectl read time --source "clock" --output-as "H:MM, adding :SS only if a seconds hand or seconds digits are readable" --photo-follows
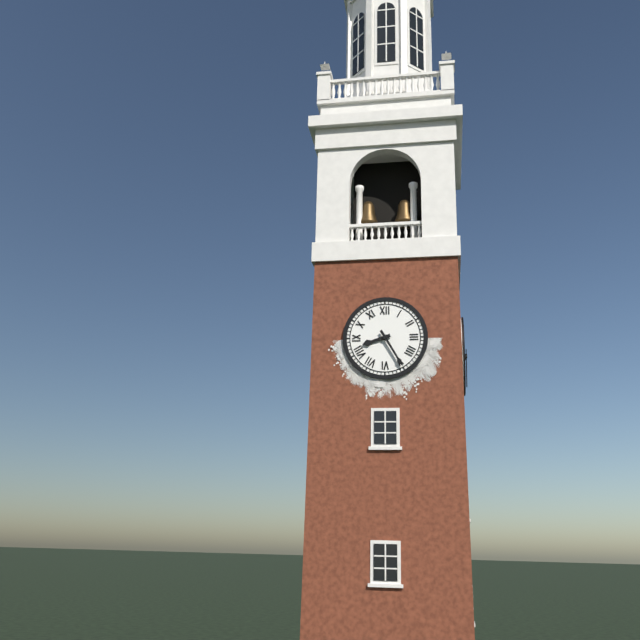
8:25
